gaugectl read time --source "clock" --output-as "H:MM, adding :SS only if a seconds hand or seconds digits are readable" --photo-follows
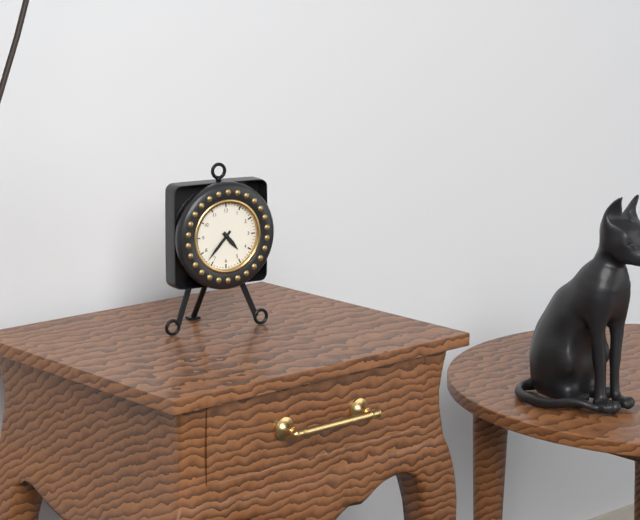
4:37
